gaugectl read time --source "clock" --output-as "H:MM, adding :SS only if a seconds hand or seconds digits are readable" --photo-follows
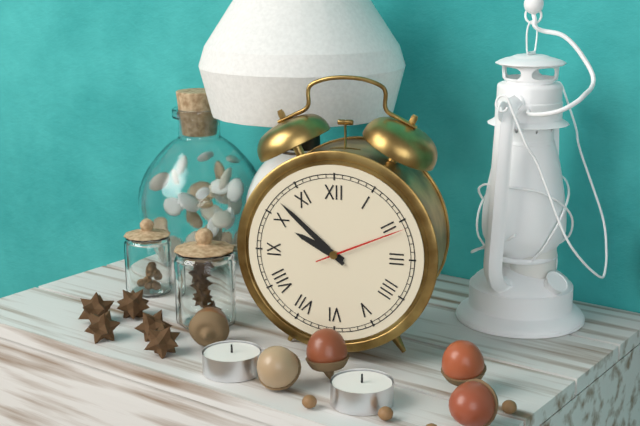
9:52:11
